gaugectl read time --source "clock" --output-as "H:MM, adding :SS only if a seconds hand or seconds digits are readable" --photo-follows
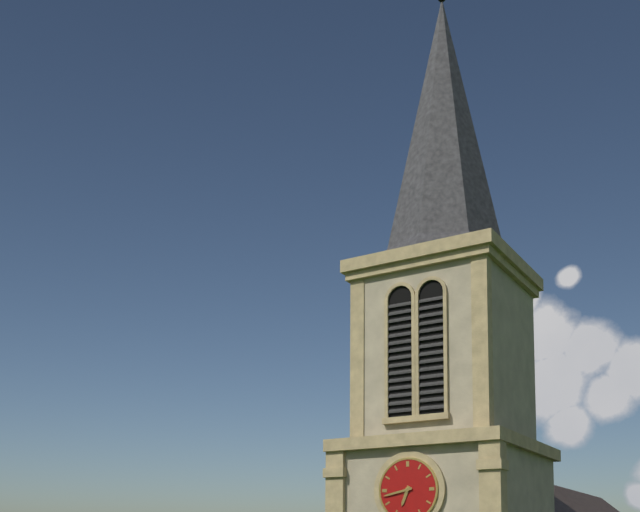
6:43
